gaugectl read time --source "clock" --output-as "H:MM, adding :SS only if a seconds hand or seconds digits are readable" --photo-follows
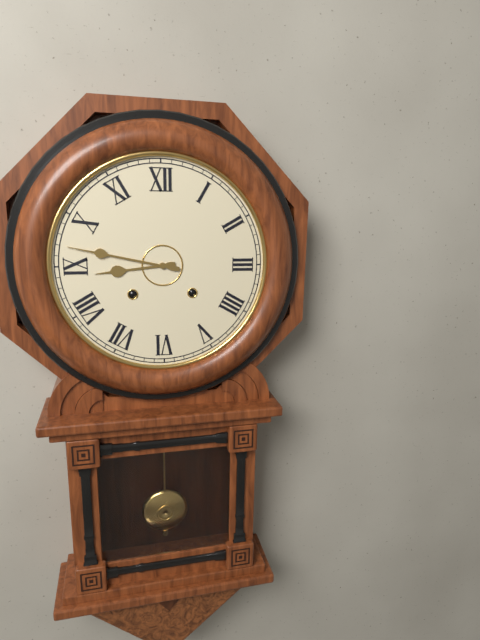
8:47
